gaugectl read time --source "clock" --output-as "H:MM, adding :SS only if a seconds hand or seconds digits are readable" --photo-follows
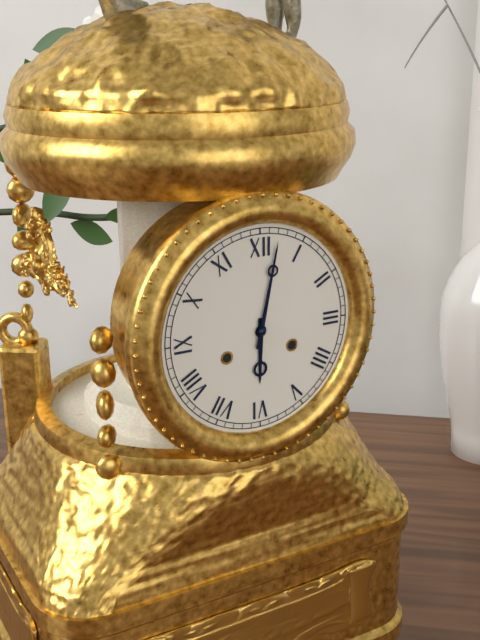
6:02
